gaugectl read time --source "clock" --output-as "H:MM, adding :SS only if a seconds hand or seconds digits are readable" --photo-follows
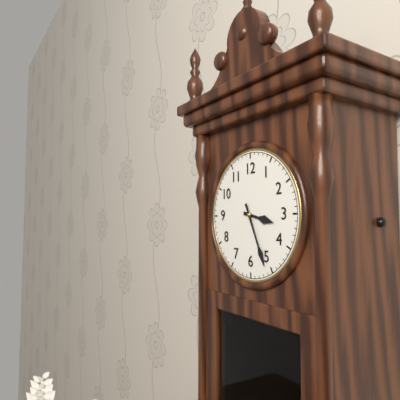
3:26
